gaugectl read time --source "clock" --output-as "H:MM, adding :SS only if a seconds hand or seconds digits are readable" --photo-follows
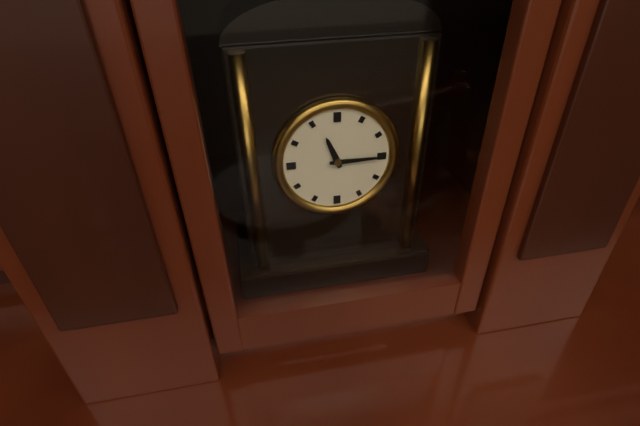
11:15
